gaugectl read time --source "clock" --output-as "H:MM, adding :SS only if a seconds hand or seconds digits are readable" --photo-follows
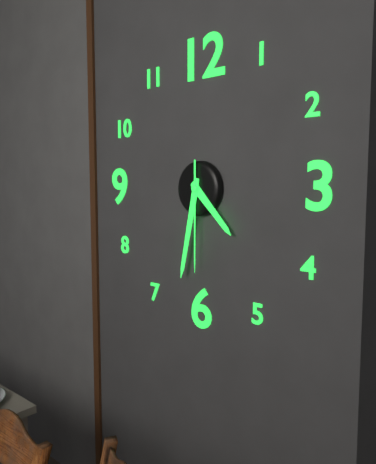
4:32:30
